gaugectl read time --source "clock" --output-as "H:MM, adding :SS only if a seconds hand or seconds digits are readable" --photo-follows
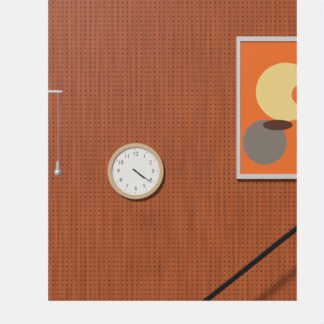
4:21
